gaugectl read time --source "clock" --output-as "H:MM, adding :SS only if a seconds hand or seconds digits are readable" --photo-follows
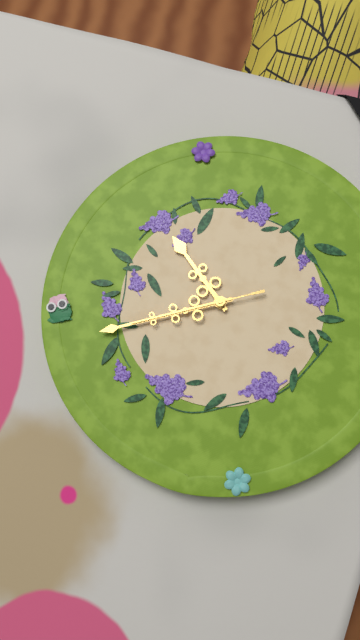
10:42:42
